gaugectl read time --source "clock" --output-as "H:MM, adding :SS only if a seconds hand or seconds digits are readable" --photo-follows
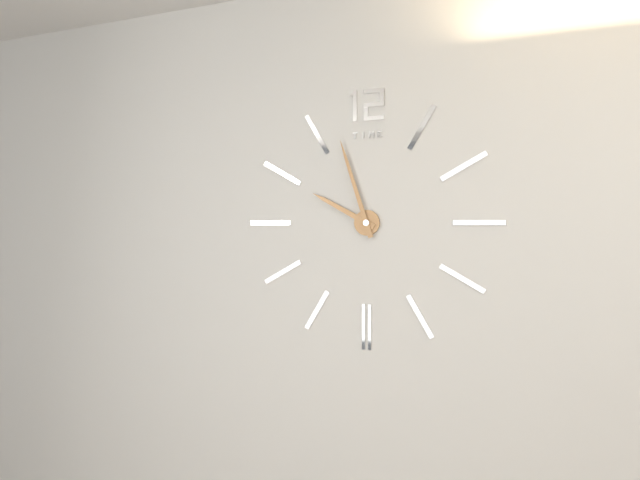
9:57
